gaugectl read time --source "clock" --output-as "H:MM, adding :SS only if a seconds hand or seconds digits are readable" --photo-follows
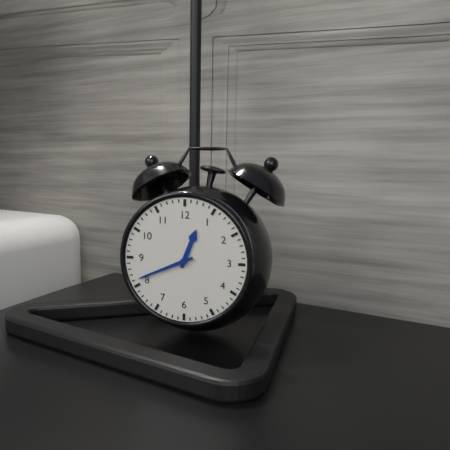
12:41
